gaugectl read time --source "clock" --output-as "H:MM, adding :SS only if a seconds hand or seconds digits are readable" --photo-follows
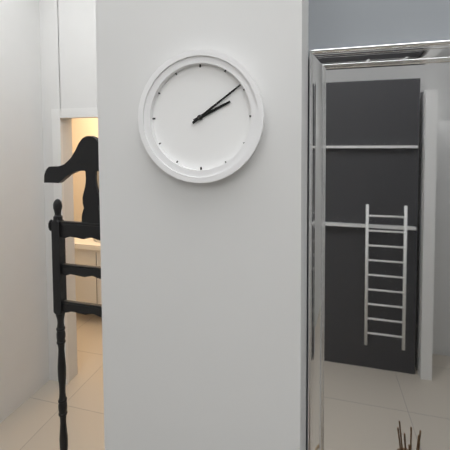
2:09
